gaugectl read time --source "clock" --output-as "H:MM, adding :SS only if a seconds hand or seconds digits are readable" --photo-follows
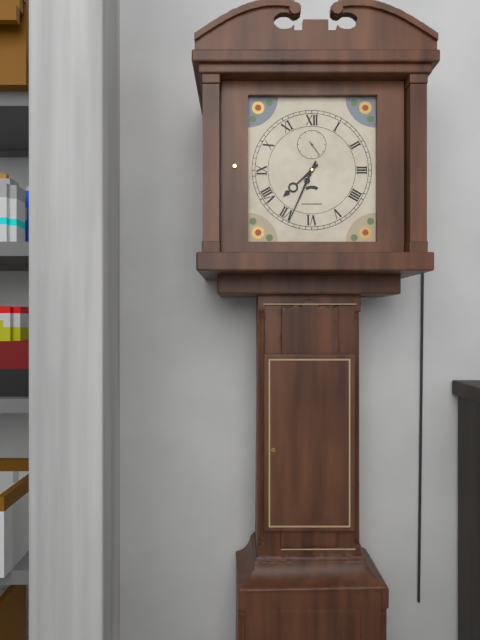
7:34
